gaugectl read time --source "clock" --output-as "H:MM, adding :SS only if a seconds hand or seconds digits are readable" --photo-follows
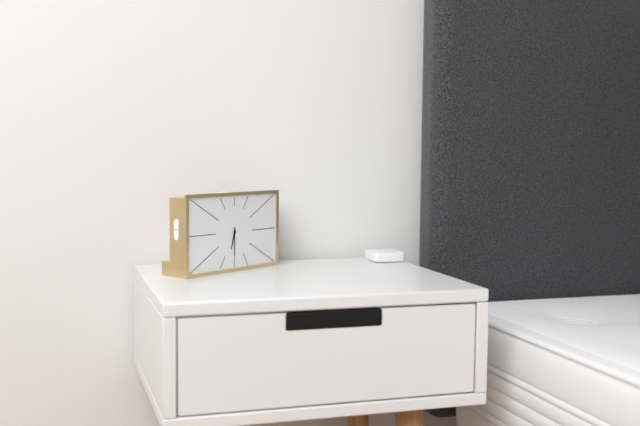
6:30
